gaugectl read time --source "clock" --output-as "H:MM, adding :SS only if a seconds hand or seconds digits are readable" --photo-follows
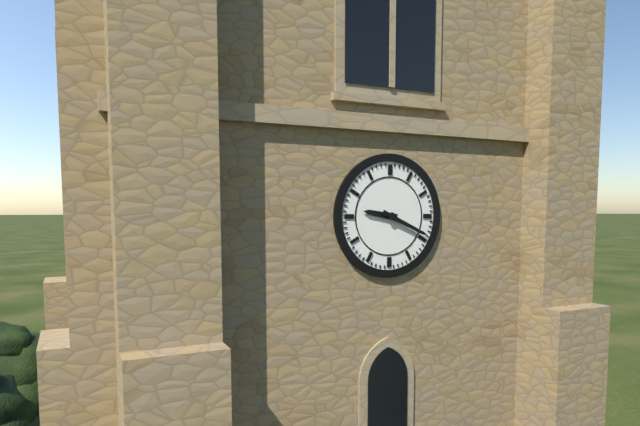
9:19
